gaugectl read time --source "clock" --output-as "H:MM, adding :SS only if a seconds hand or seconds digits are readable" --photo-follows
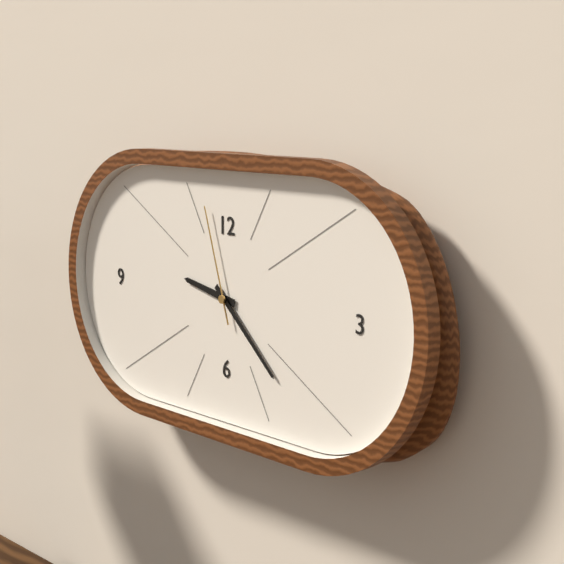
9:22:57
